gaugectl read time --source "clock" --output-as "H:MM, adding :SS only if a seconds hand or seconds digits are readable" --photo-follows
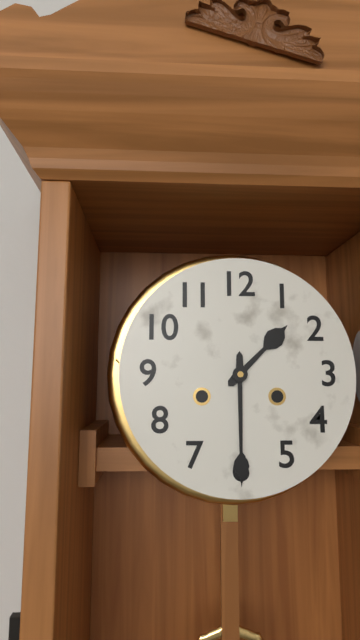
1:30
